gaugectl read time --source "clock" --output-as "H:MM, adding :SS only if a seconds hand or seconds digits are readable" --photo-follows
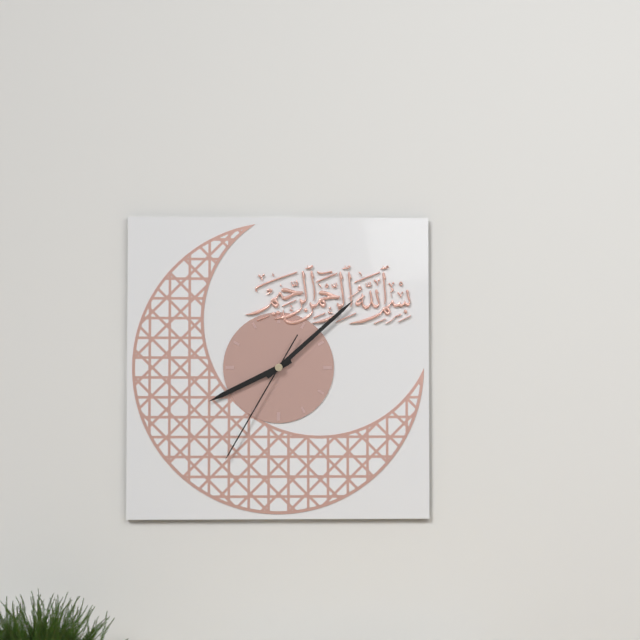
8:08:35
